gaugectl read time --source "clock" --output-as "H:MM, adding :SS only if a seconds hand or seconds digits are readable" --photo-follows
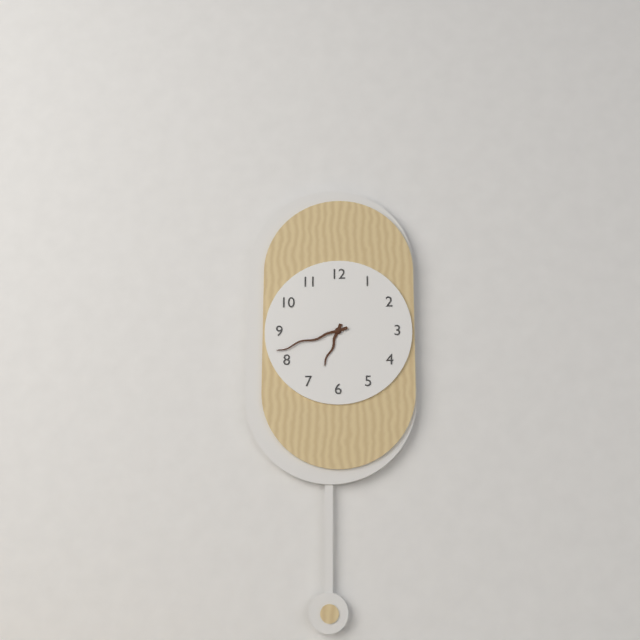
6:42
